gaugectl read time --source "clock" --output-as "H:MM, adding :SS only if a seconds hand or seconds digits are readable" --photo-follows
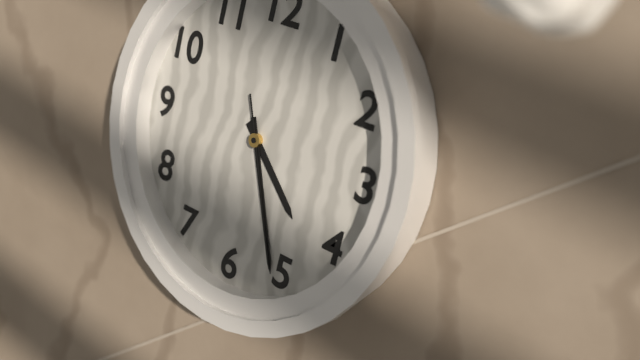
4:26:26
